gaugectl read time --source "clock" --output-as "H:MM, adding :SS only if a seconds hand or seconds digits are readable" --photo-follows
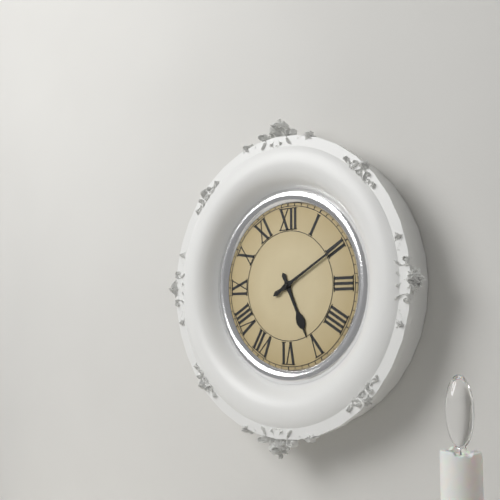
5:10
